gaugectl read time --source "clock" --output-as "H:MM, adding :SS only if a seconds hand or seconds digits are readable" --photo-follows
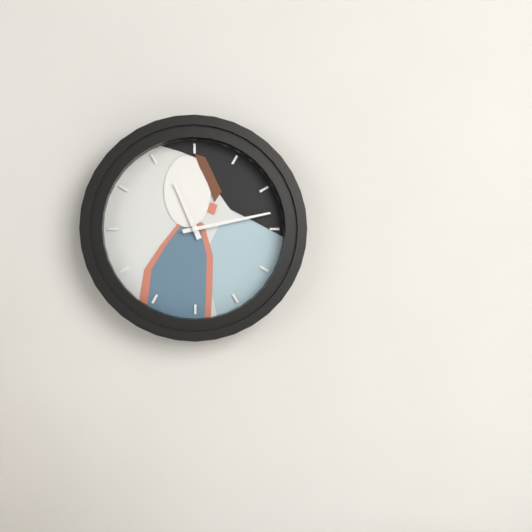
11:13
